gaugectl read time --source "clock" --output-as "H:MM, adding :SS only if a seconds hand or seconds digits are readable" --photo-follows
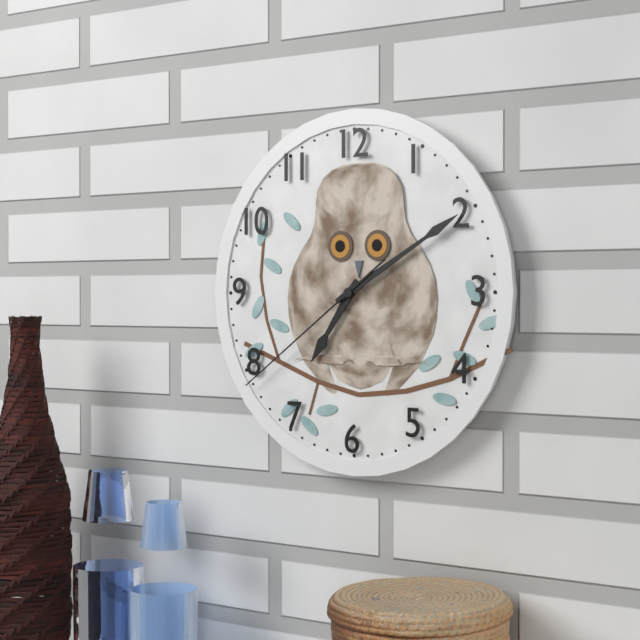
7:10:39
